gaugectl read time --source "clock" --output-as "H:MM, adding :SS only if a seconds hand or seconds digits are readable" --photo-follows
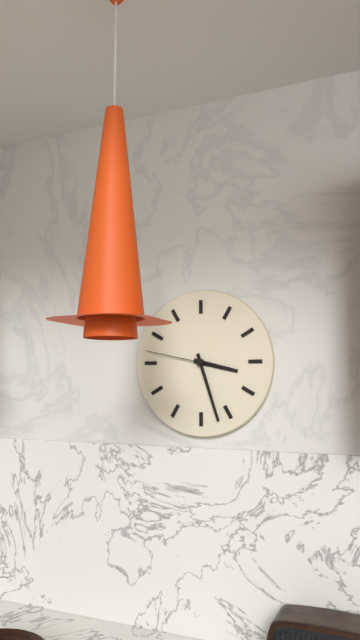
3:27:47
